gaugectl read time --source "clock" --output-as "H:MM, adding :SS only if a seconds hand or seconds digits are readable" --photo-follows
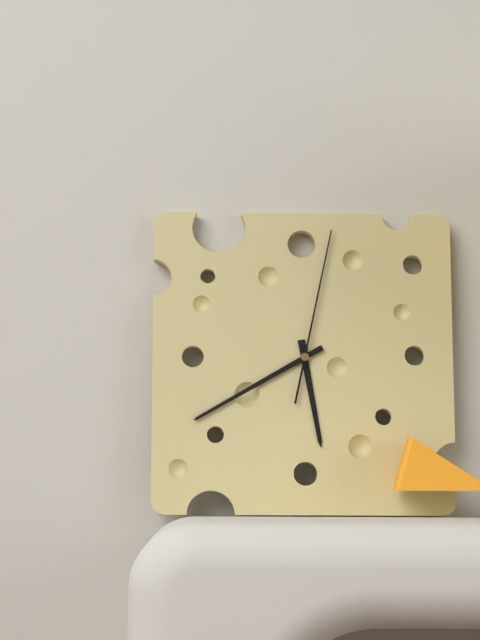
5:40:02
